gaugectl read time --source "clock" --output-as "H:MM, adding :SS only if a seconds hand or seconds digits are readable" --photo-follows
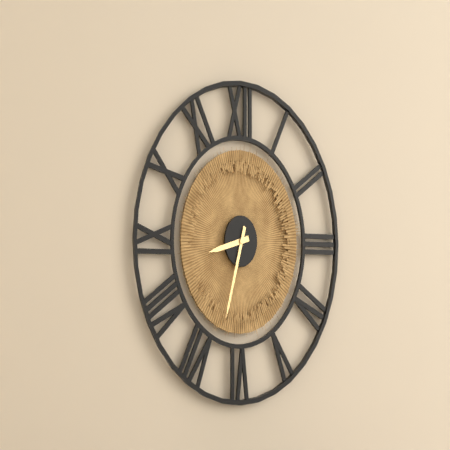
8:33
